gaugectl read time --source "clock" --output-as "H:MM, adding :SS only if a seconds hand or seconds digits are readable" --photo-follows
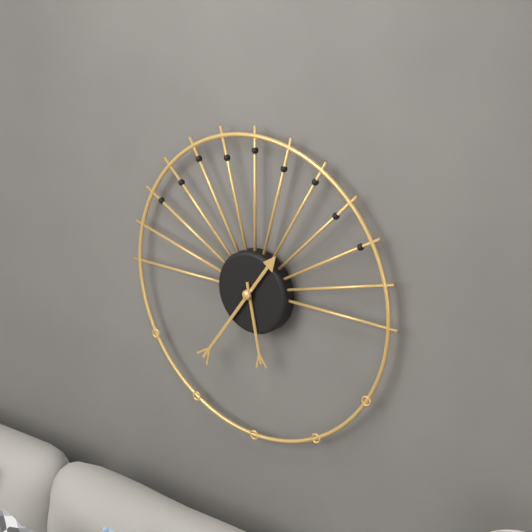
5:36
